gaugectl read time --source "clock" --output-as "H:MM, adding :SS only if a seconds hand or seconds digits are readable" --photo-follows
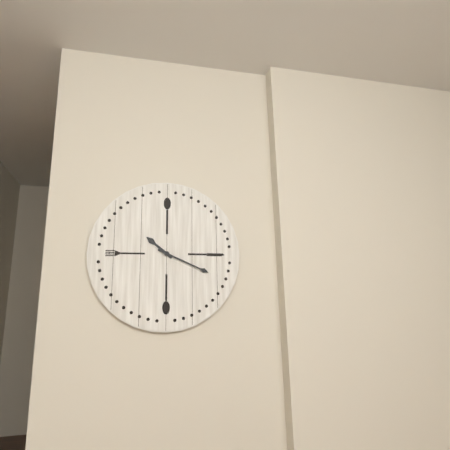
10:19
